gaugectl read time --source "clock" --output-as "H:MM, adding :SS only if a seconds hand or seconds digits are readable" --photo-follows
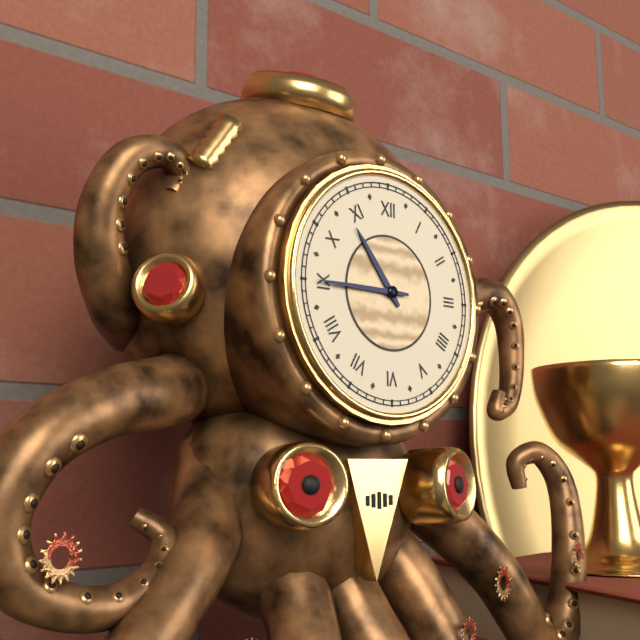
10:45
